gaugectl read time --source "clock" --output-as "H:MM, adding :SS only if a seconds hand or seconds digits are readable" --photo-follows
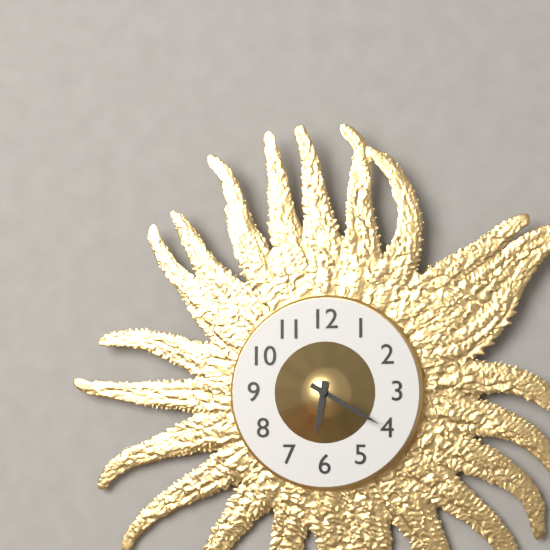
6:20
